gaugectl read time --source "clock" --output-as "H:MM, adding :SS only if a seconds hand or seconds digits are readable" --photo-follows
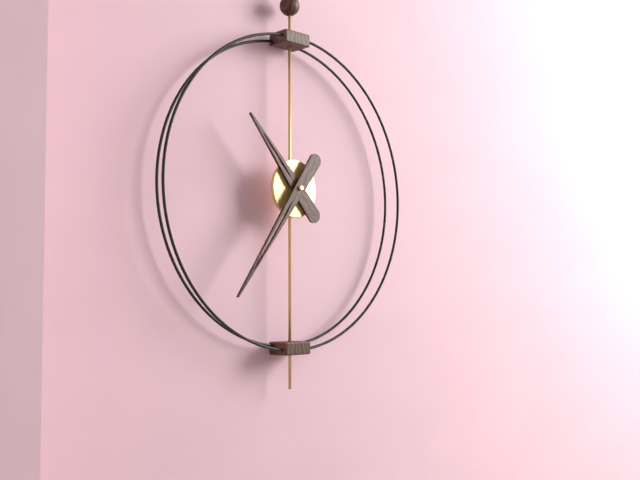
10:36
